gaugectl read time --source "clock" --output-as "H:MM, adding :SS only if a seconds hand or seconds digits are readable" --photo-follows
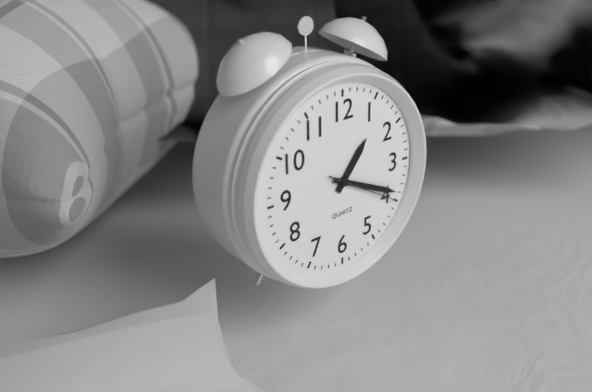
1:19:20
